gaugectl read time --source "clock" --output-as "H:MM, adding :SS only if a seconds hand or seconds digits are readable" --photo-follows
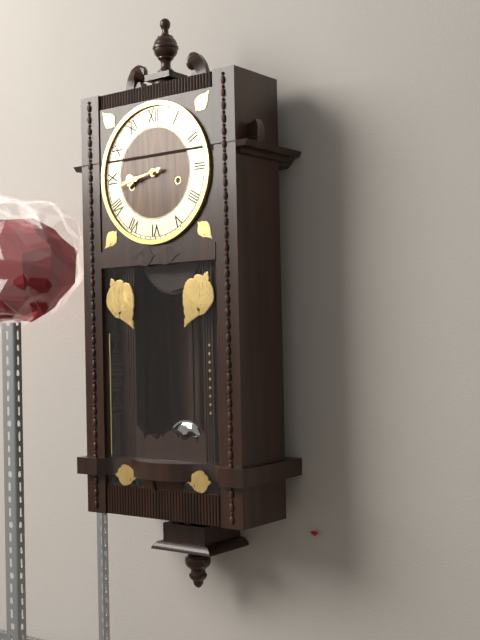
8:43
